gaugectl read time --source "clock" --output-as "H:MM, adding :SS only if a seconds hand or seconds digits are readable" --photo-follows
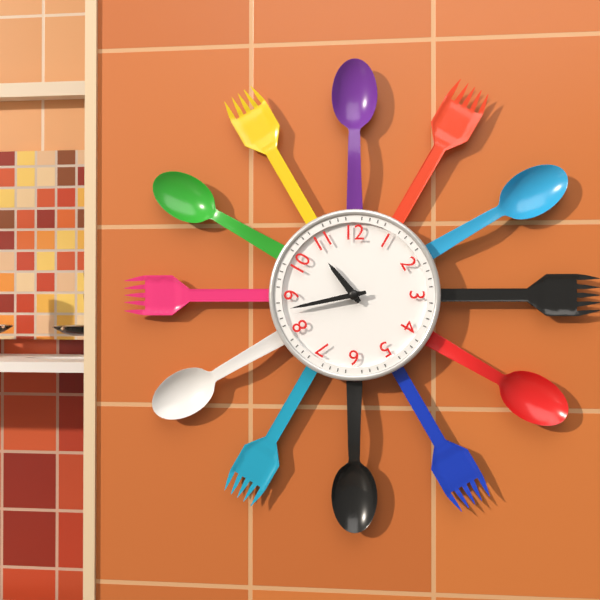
10:43
